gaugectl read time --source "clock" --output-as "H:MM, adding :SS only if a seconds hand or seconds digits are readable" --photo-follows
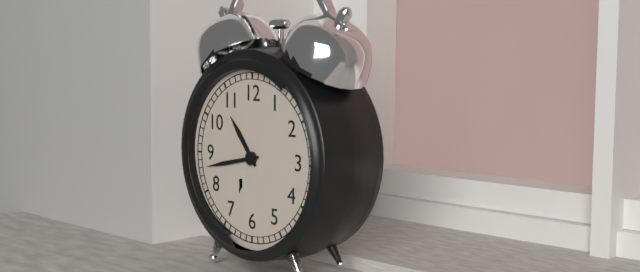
10:43
